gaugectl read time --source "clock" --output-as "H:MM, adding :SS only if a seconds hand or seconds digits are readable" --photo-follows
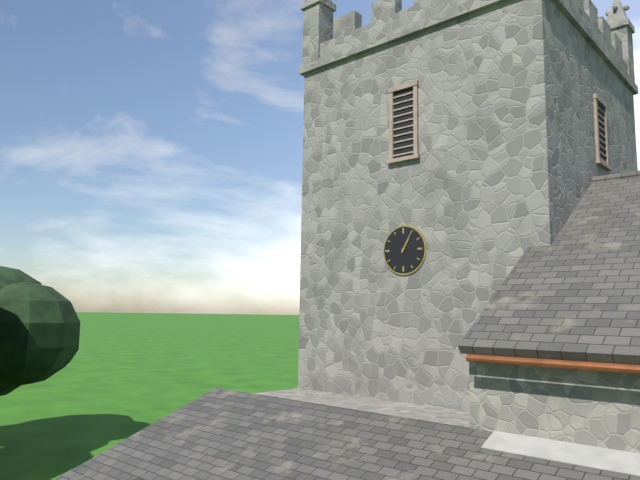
1:05
